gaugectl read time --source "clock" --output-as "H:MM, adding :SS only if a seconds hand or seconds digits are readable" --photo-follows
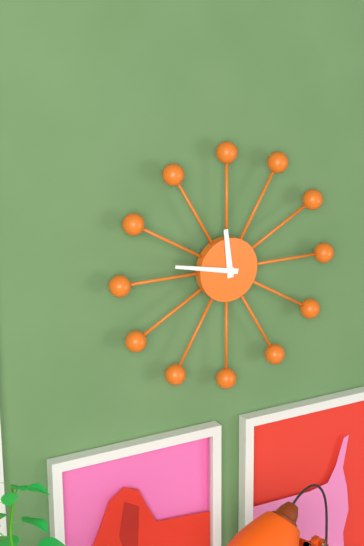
11:47
